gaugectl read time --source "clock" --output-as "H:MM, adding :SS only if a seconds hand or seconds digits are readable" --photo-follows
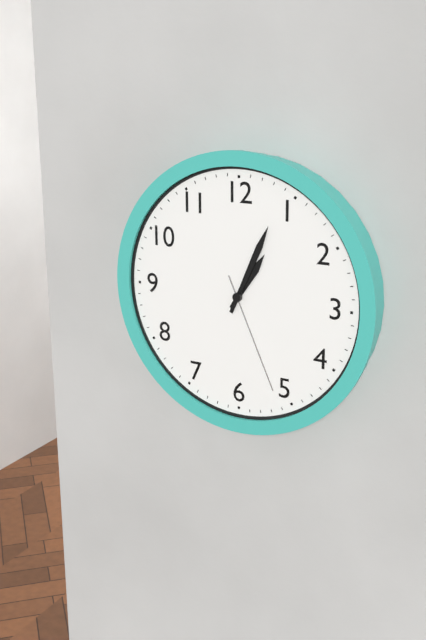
1:04:26
